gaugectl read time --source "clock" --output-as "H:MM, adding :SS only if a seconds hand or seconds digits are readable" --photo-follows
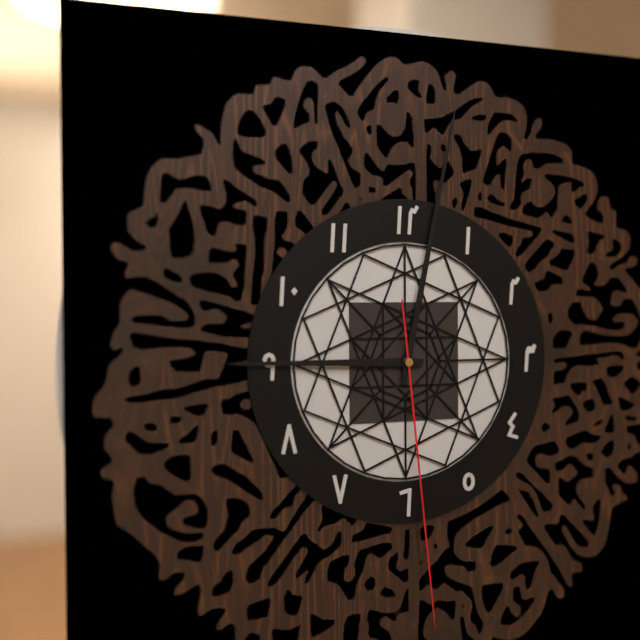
9:02:29
